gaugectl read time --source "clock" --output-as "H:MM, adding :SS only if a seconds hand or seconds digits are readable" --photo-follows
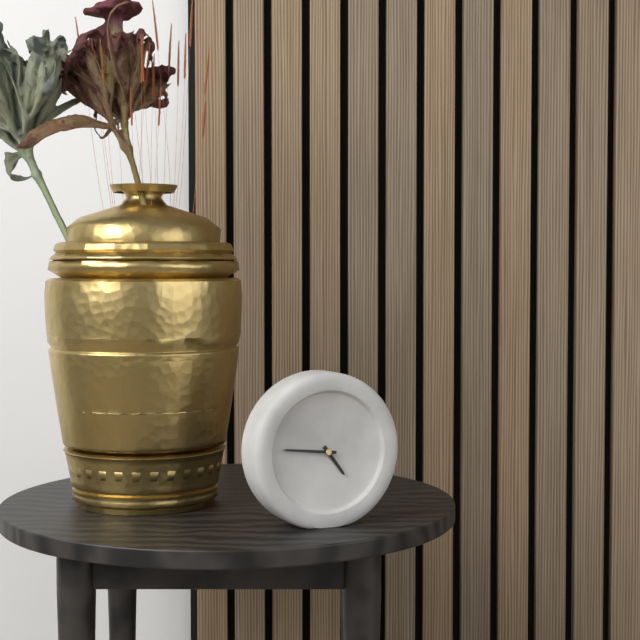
4:46
